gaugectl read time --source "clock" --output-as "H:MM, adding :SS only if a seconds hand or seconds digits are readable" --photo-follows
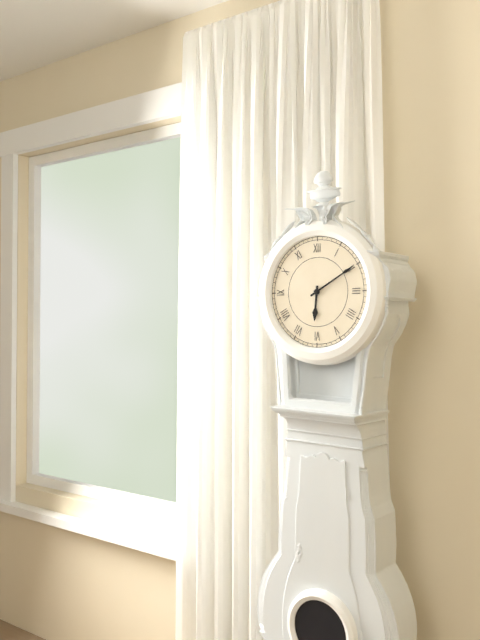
6:10
